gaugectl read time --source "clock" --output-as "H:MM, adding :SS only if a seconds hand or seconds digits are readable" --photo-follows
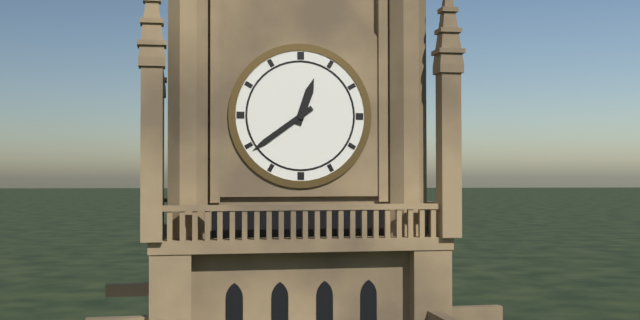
12:39
